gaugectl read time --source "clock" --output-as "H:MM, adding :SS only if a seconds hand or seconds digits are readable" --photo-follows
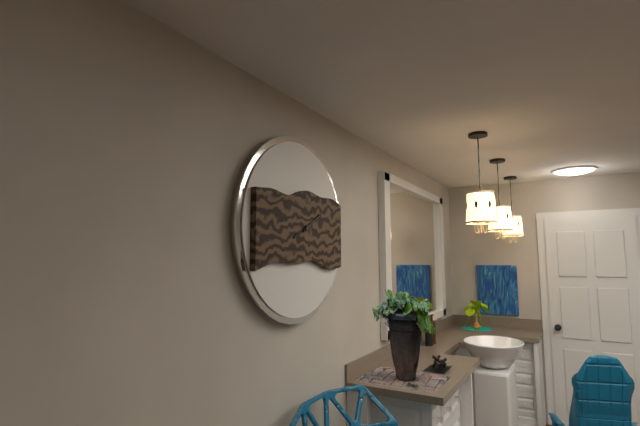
8:10
